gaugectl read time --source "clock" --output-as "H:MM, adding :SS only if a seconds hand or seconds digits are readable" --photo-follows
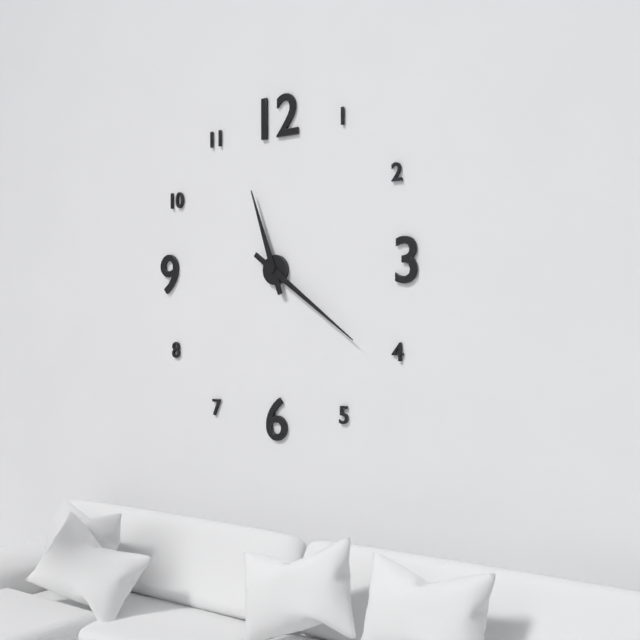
11:21
